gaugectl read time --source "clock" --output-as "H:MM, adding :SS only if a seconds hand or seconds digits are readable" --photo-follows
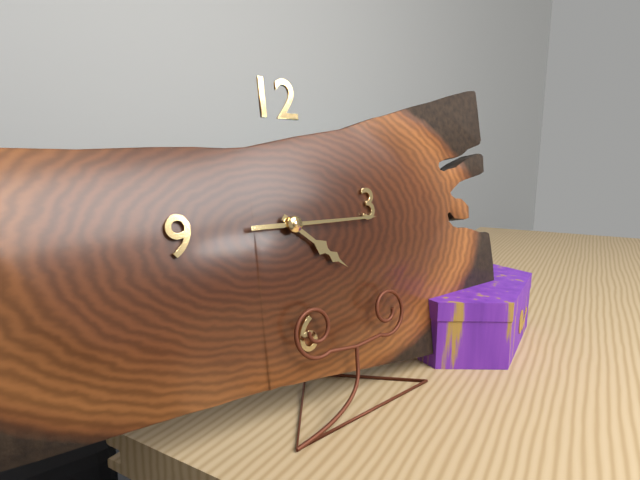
4:15
